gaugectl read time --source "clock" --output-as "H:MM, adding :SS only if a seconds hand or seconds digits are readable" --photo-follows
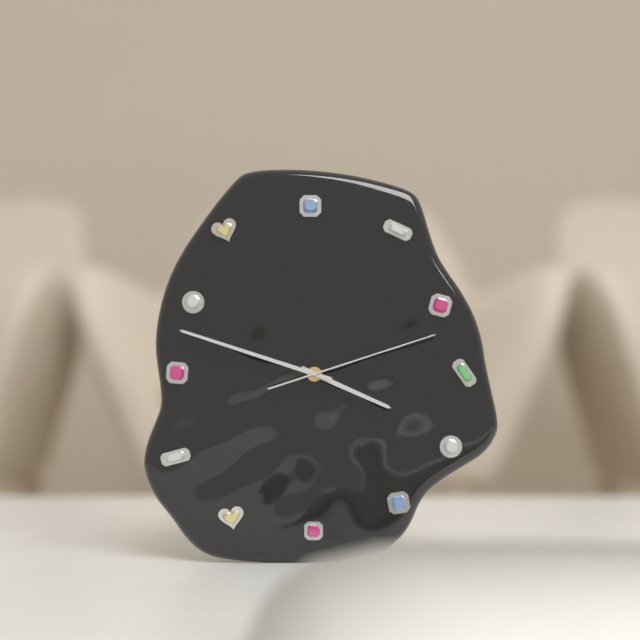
3:48:12
